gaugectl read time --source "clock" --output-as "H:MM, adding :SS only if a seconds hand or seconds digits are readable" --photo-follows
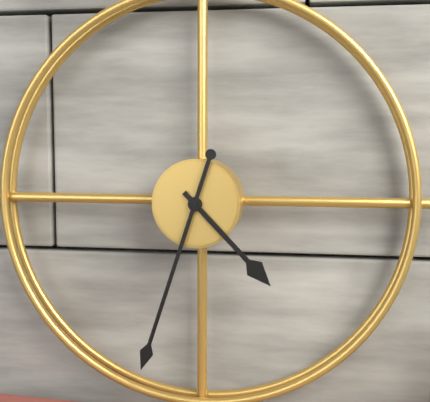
4:33
